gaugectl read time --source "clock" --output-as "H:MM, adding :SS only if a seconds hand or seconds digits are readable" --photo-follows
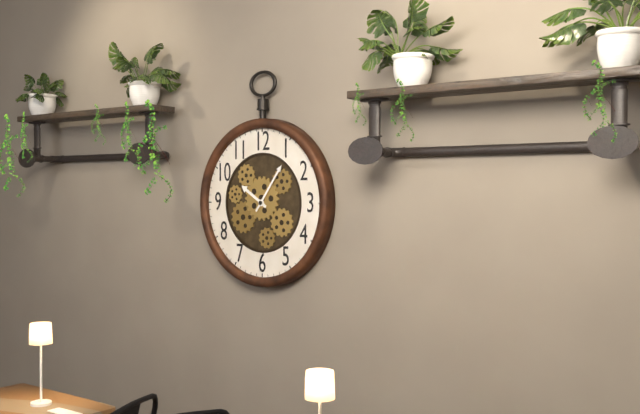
10:06
